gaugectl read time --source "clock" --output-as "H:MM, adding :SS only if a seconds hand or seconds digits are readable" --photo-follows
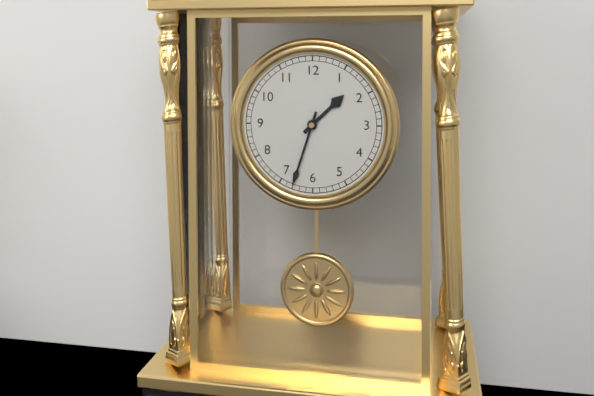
1:33
